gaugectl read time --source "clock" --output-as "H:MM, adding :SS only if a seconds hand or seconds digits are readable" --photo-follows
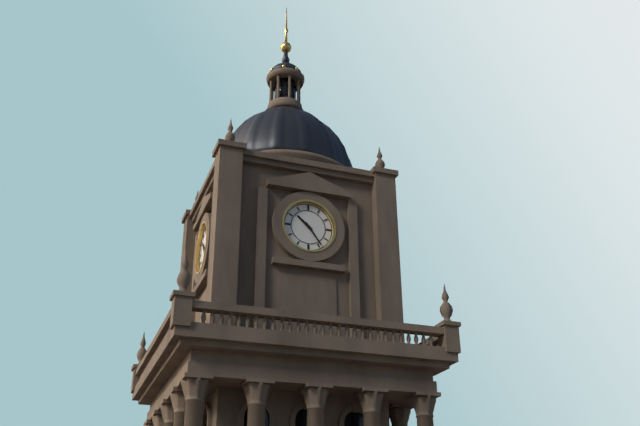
10:24
